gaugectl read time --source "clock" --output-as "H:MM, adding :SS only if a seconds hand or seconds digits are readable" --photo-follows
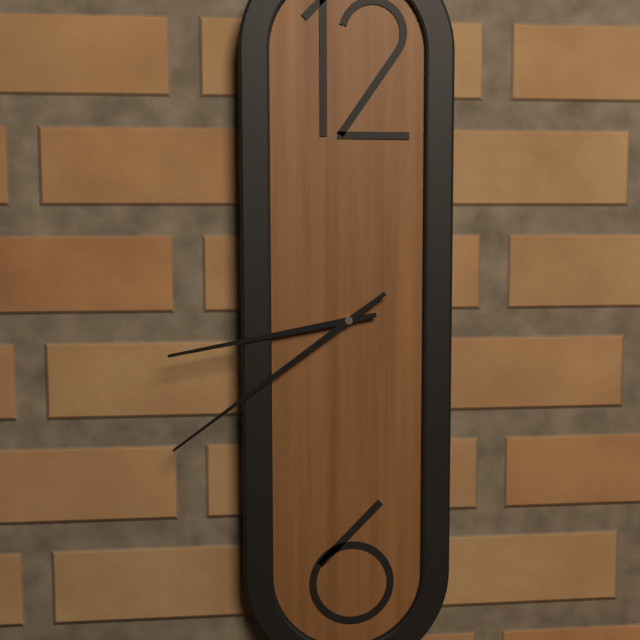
8:39
